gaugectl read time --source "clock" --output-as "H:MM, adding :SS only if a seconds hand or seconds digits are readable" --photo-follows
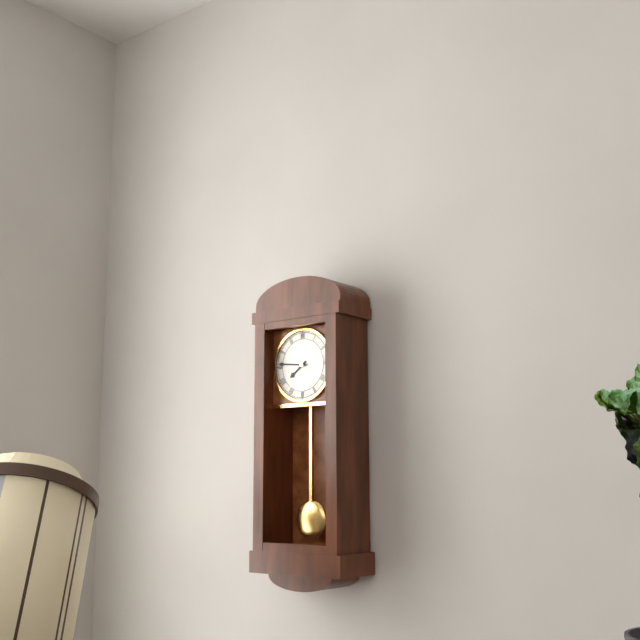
7:46
